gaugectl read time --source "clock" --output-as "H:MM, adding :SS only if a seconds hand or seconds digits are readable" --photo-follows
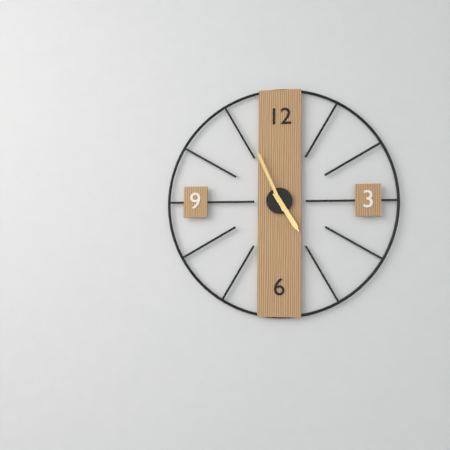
4:56
